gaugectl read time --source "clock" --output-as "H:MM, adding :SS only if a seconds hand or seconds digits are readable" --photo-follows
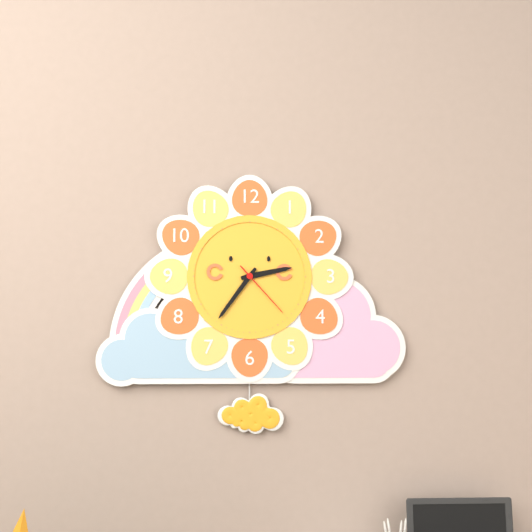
2:36:23
